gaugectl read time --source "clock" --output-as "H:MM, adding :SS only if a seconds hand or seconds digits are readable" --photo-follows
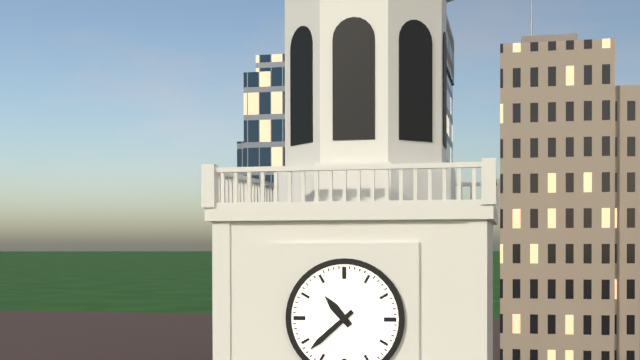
10:38
